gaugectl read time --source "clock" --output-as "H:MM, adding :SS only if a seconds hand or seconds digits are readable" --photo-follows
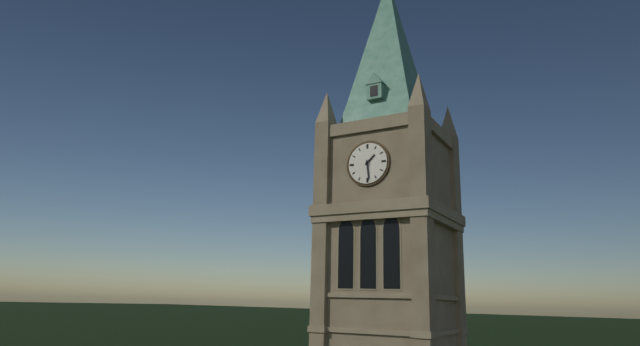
1:29
